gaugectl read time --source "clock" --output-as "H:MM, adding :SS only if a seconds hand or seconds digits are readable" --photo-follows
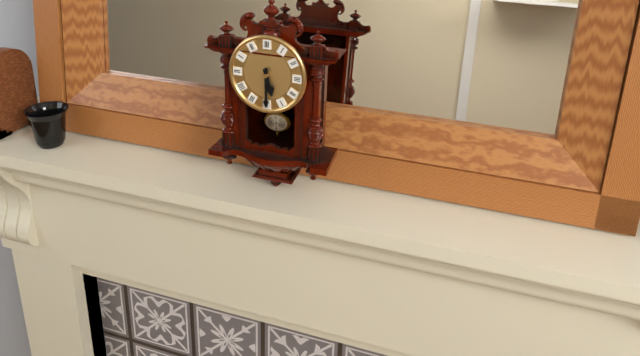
5:30
